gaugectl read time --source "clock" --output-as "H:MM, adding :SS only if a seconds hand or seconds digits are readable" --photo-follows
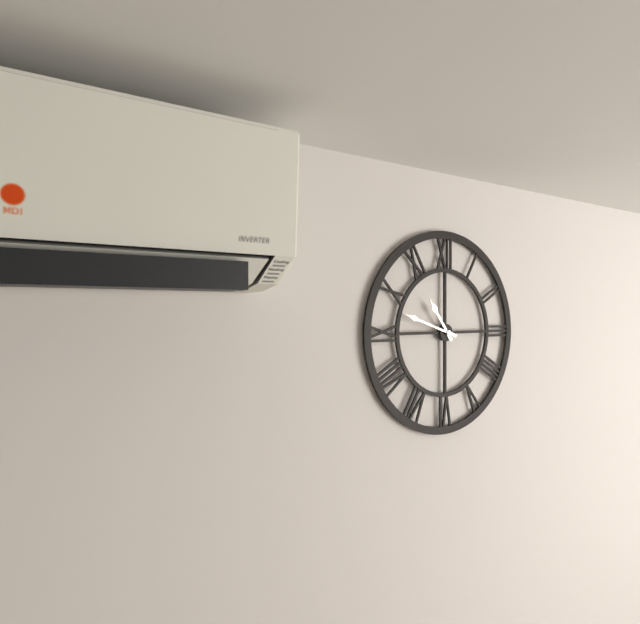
10:48
